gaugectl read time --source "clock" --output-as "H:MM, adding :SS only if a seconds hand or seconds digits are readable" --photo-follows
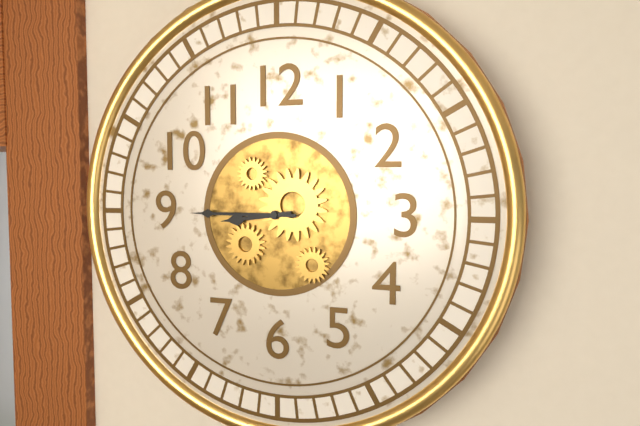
8:45
